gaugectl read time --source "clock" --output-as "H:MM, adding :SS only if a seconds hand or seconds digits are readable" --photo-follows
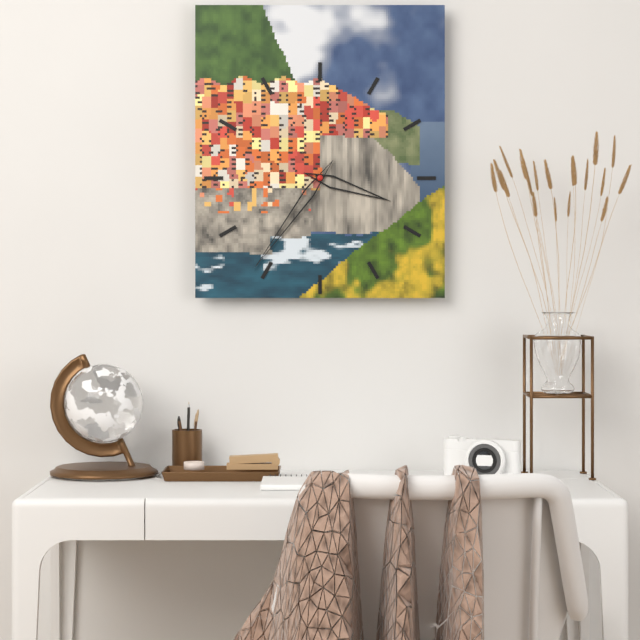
3:36
